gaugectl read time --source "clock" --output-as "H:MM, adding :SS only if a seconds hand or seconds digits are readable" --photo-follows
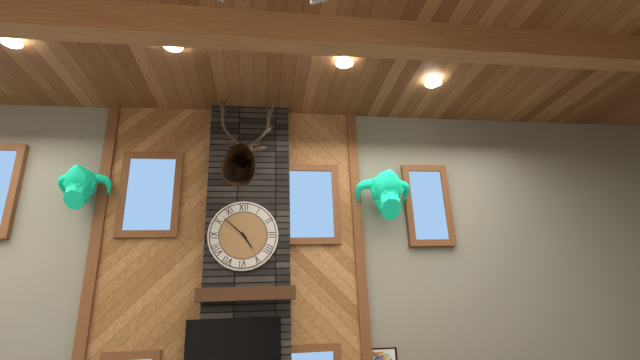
4:52
